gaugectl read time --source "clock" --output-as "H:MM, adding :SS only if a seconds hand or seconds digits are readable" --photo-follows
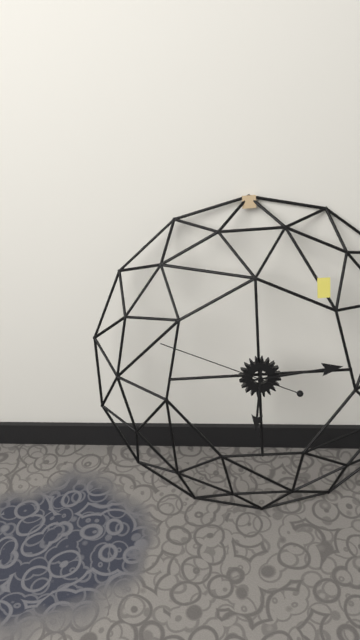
6:14:49
